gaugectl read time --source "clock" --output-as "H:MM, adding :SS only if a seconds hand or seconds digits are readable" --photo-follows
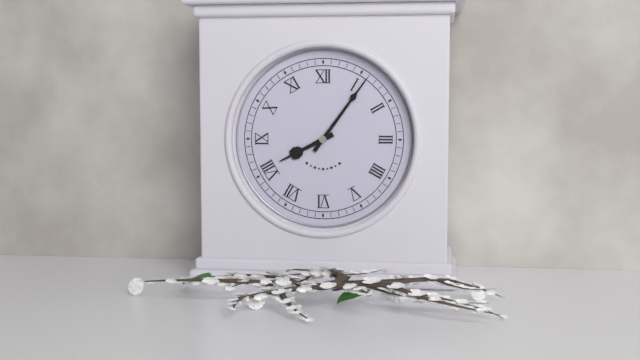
8:06
